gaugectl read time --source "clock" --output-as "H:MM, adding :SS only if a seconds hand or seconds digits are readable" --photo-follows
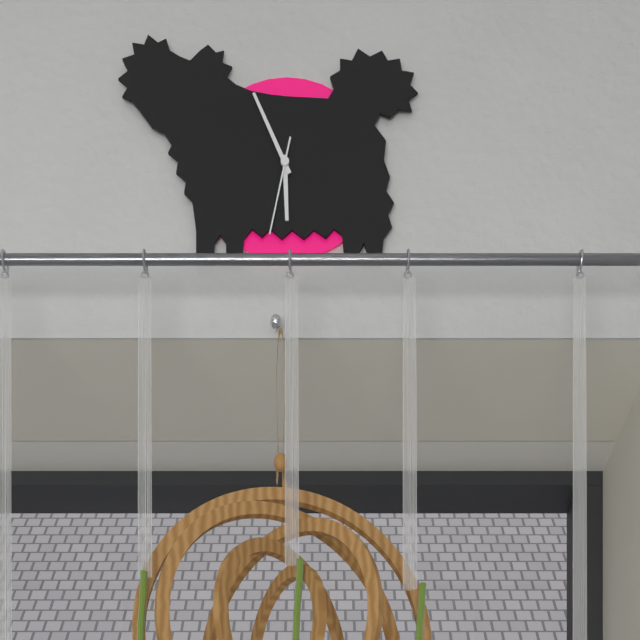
5:56:32
